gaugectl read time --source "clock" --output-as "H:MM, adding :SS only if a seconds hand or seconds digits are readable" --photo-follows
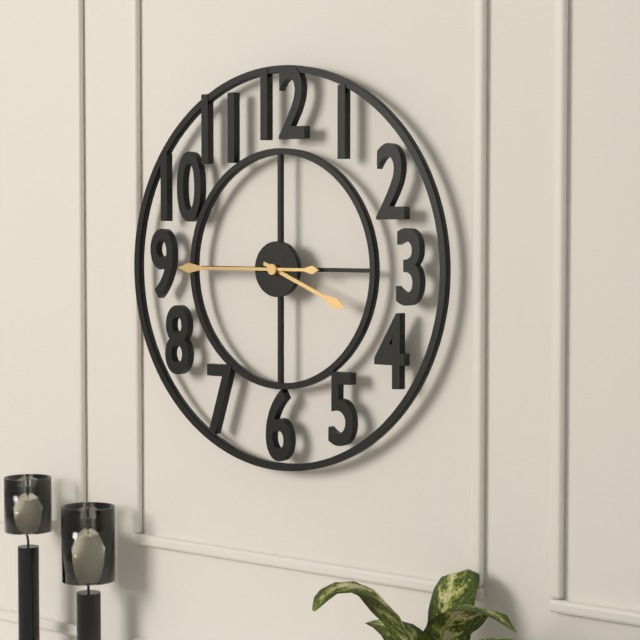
3:45
